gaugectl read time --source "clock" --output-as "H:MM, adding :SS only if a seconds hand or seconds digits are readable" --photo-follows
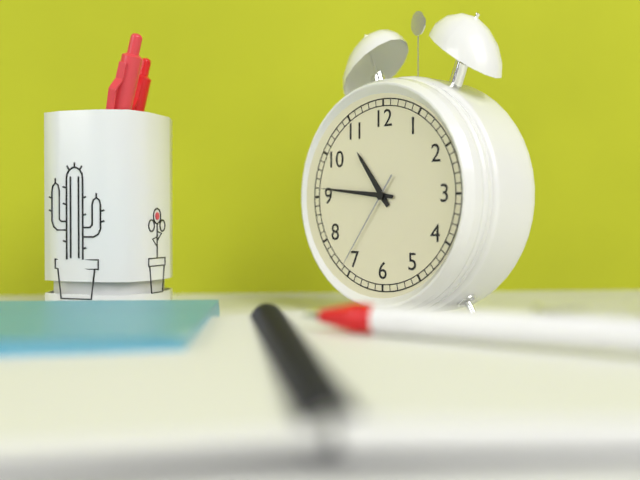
10:46:36
